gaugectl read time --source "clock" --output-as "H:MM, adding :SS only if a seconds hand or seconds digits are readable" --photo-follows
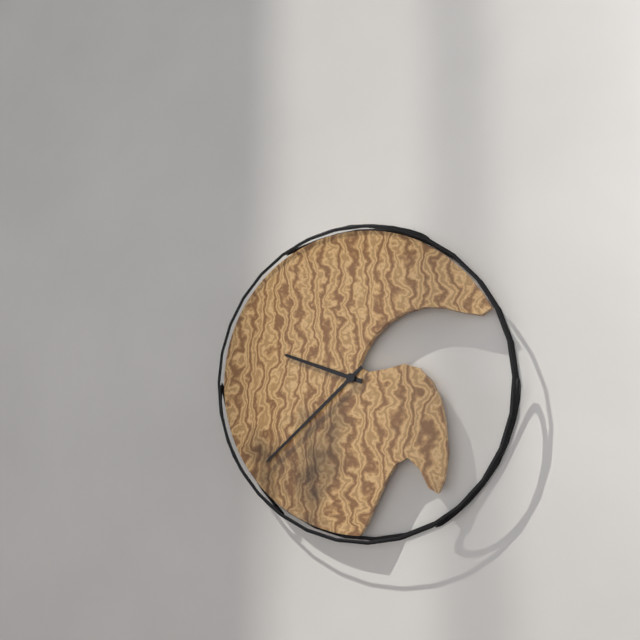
9:38
